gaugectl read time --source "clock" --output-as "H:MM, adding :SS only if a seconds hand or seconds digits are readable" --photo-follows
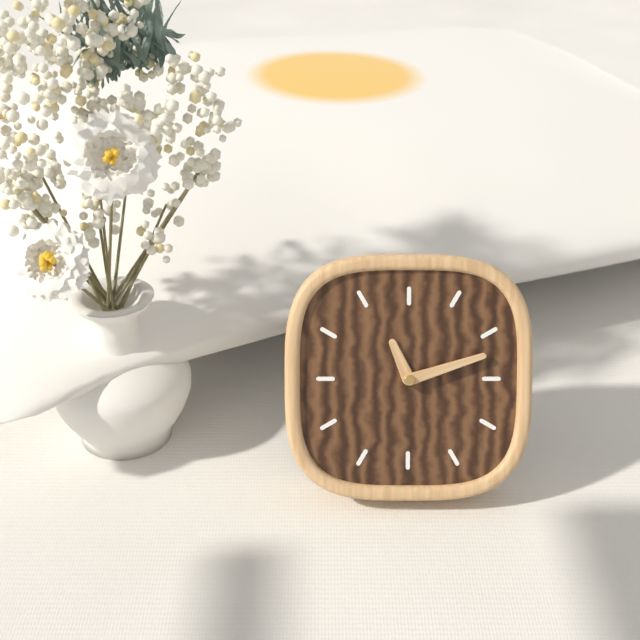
11:12
